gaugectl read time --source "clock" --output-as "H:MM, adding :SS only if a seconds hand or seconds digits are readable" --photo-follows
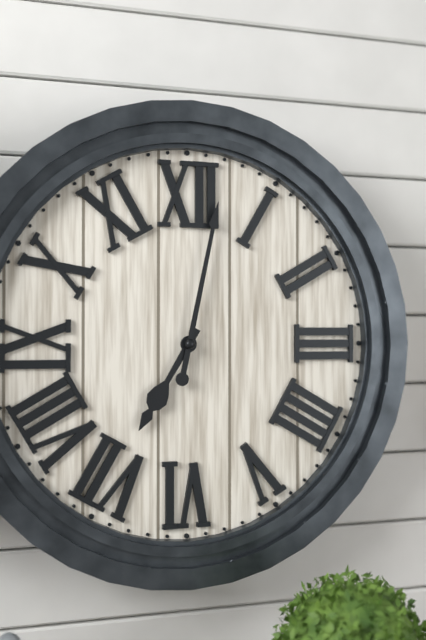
7:02
